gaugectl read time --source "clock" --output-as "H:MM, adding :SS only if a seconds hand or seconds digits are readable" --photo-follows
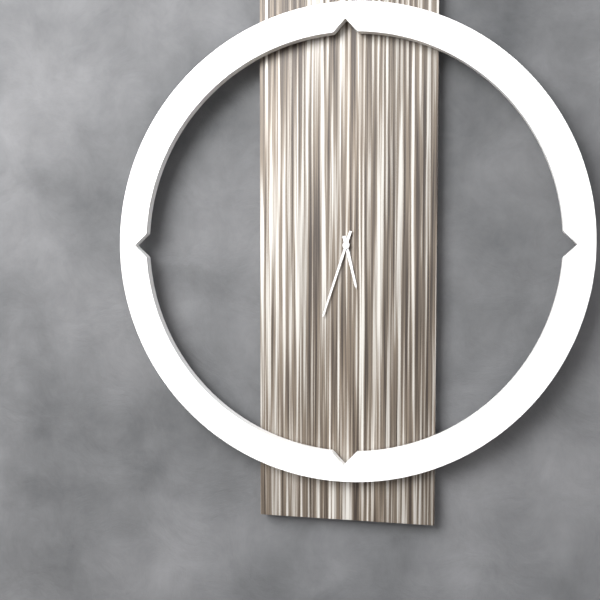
5:33
